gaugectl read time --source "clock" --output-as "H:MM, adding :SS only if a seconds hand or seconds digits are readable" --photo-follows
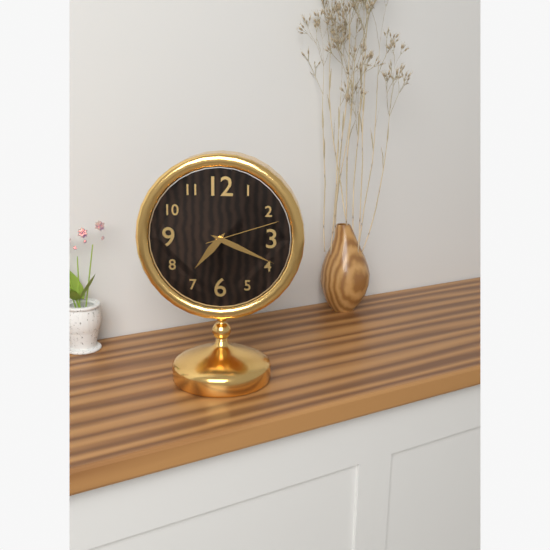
7:19:12
